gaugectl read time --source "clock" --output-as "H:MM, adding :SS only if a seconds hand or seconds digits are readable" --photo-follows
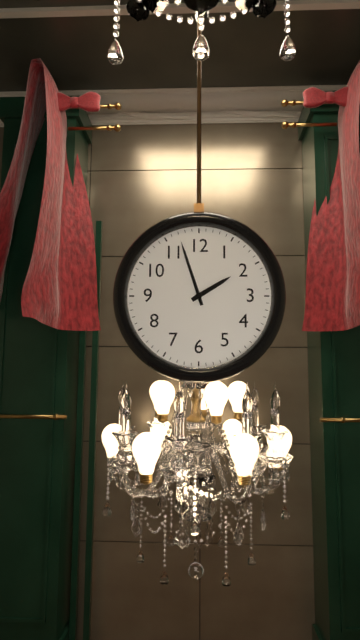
1:57
